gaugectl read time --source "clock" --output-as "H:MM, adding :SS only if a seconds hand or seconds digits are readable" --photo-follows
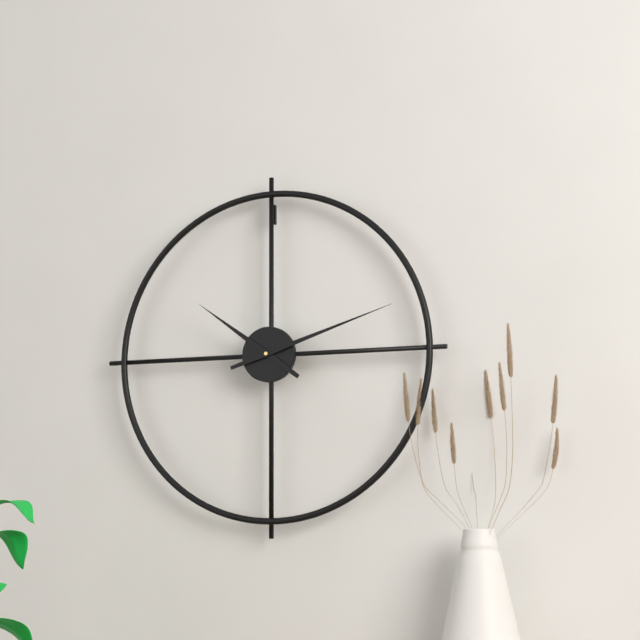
10:12
